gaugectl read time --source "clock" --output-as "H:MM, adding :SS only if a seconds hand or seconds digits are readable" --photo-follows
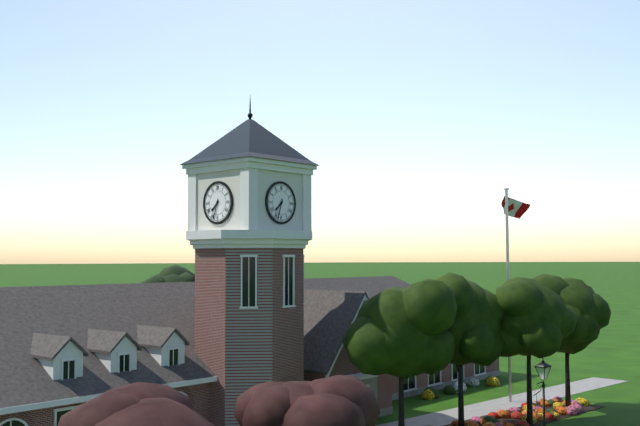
7:33
